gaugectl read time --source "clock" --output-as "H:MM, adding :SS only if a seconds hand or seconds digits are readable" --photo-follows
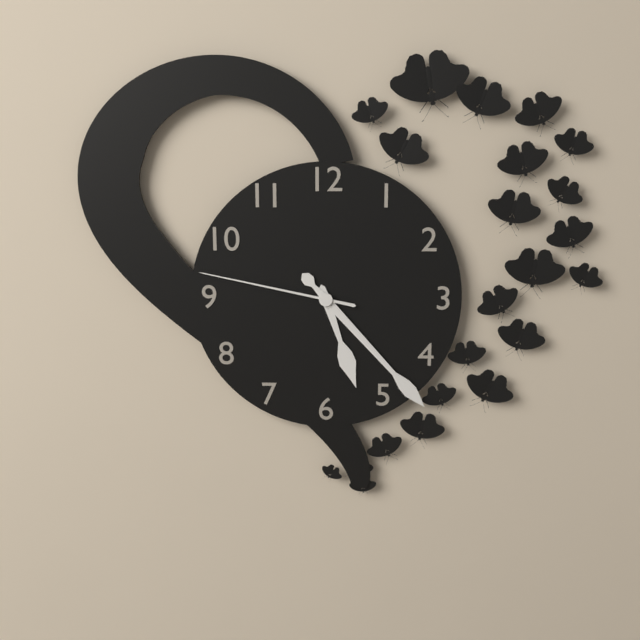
5:23:47
